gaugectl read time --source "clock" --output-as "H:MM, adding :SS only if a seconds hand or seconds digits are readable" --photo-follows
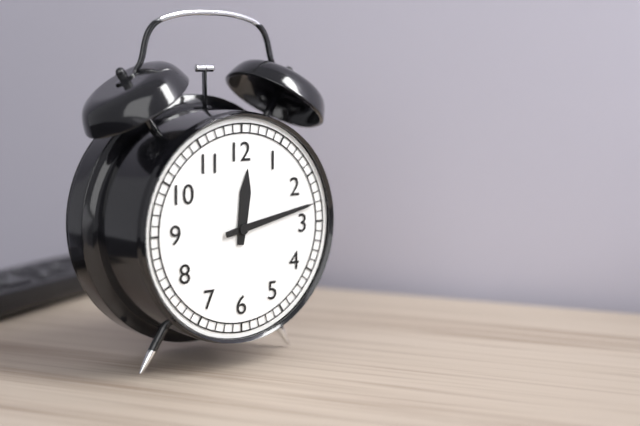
12:13
